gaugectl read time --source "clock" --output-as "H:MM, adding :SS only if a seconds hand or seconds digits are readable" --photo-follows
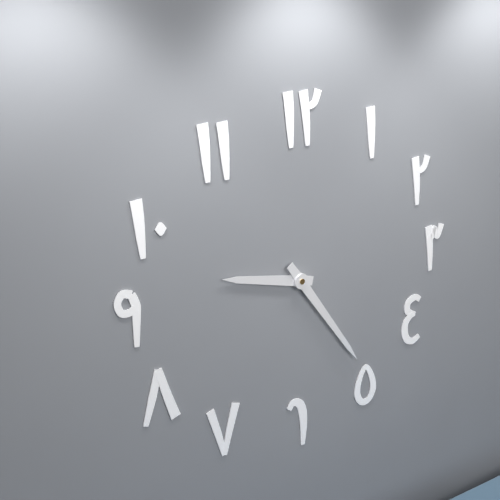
9:24
